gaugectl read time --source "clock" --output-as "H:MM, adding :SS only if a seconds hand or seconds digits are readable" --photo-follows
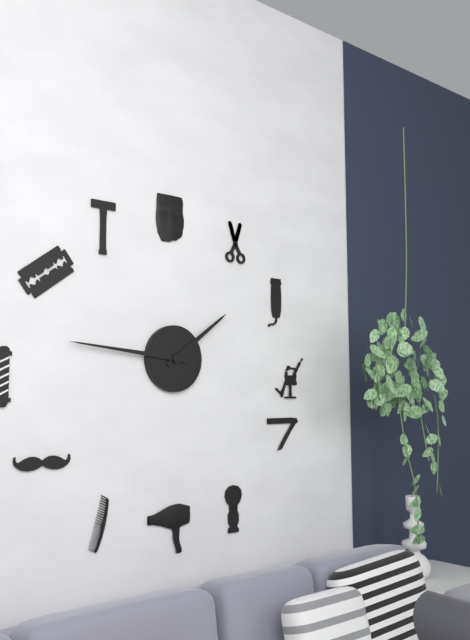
1:46
